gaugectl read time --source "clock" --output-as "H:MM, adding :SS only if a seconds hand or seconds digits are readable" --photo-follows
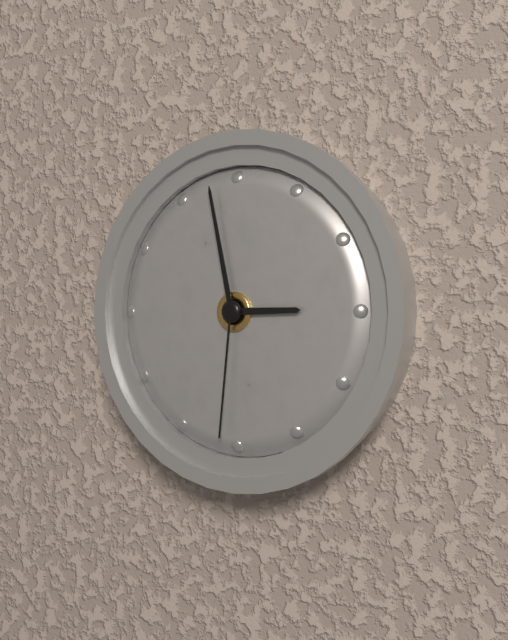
2:58:31
